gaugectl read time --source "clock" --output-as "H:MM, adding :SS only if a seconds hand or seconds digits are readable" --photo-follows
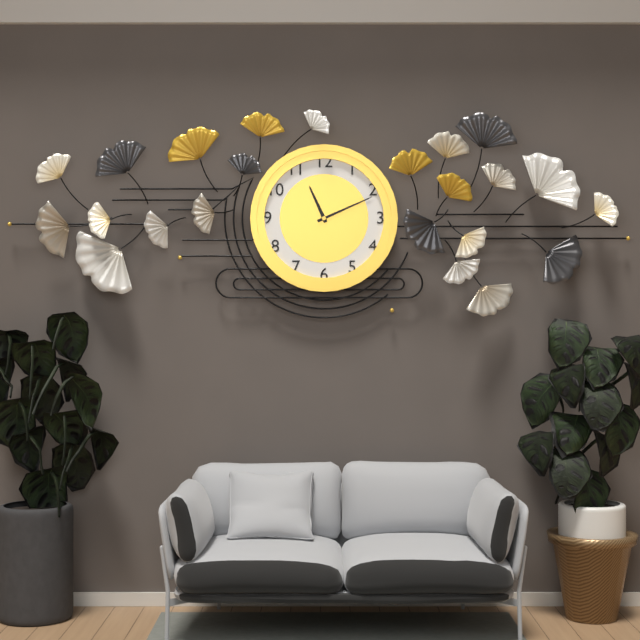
11:11
